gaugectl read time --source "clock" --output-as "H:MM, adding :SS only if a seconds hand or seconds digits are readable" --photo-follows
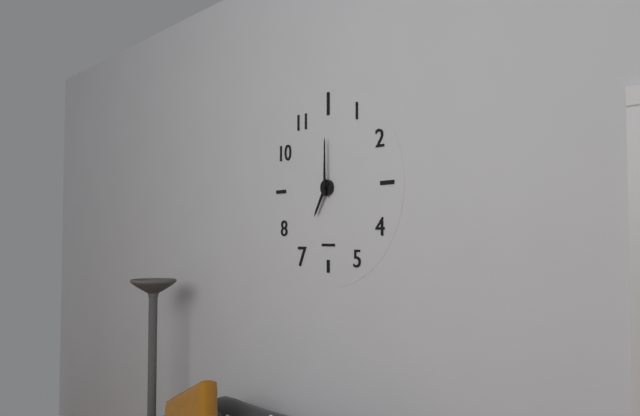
7:00
